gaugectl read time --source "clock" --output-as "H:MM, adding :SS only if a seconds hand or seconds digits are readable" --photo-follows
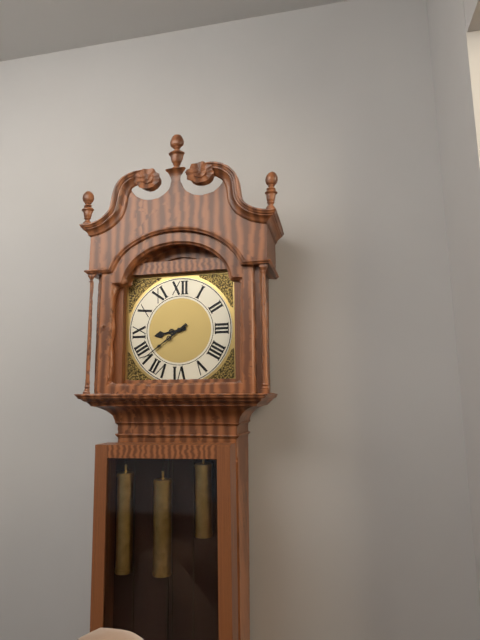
8:39
